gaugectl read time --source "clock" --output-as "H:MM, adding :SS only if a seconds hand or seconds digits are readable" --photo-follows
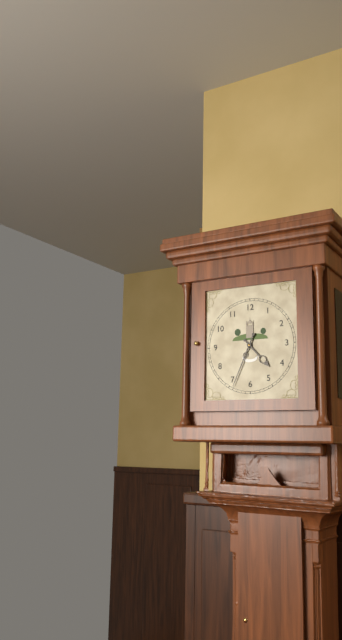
4:34
